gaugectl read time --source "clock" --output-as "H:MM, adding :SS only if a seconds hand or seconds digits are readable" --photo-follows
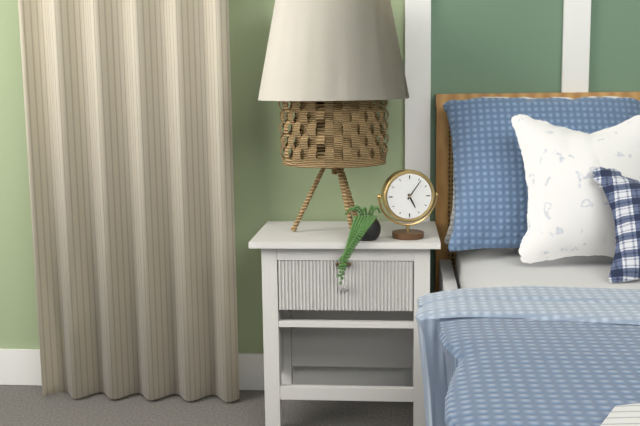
5:06
